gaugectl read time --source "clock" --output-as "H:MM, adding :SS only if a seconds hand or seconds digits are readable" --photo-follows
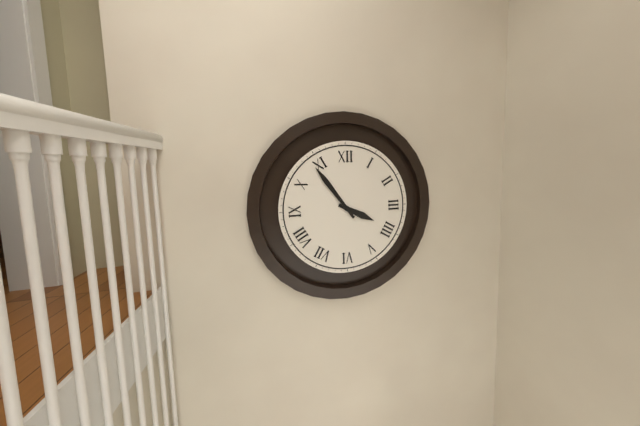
3:54
